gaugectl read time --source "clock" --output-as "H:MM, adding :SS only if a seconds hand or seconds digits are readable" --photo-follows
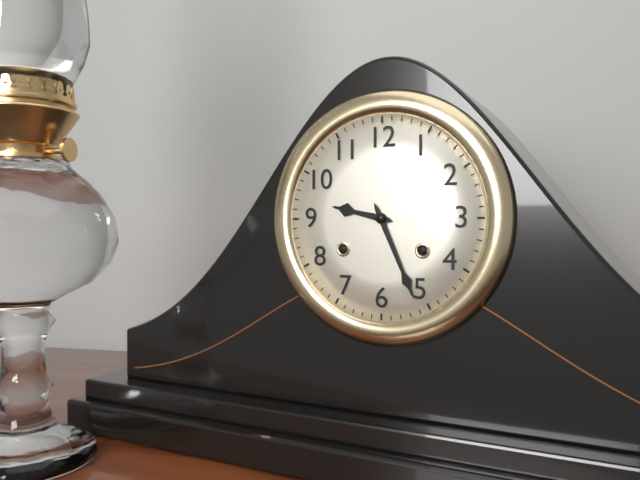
9:26
